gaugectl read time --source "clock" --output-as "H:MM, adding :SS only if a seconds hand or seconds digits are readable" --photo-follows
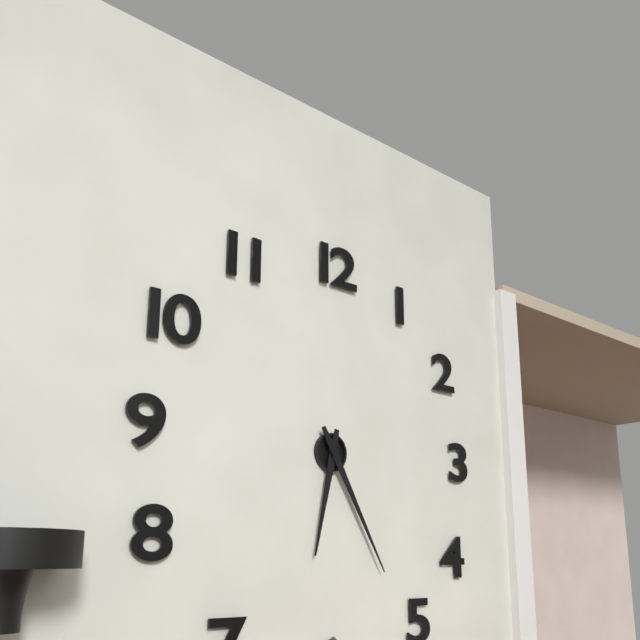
6:25
